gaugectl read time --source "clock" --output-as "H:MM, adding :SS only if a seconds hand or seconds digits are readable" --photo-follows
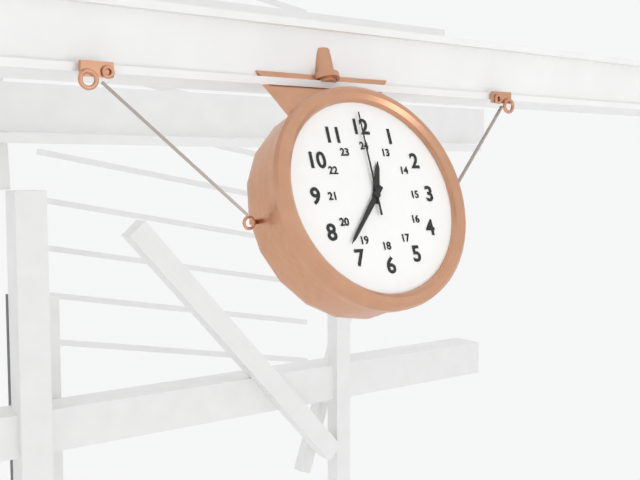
12:37:00
